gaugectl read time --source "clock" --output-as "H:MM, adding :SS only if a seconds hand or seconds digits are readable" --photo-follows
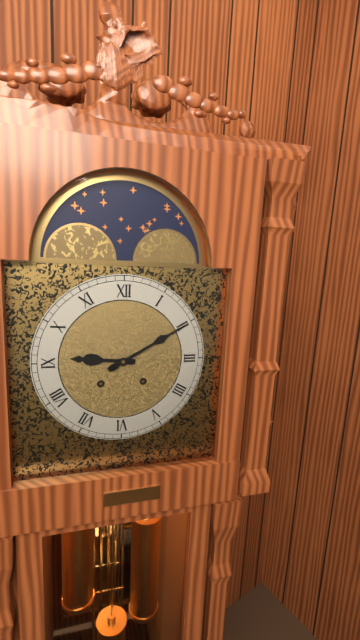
9:10
